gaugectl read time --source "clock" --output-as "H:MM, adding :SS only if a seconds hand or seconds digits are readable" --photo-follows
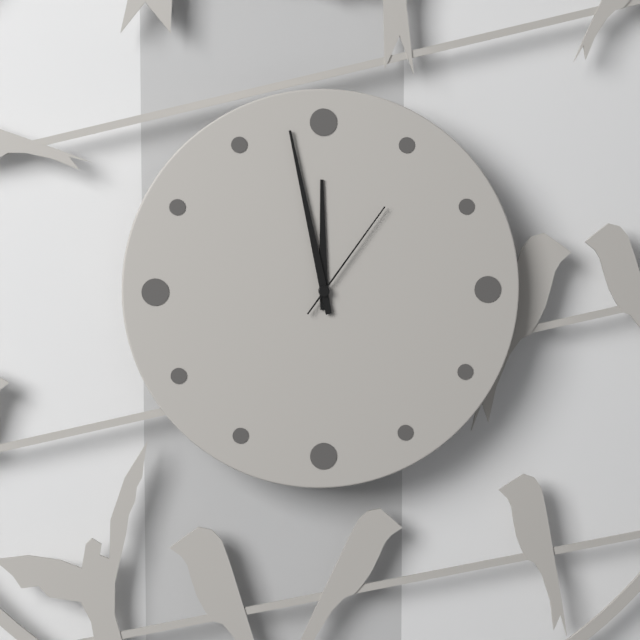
11:58:06
